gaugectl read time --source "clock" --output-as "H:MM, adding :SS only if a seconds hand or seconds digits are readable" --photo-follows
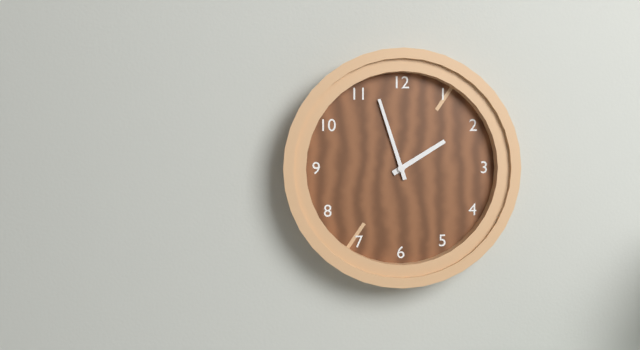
1:57
